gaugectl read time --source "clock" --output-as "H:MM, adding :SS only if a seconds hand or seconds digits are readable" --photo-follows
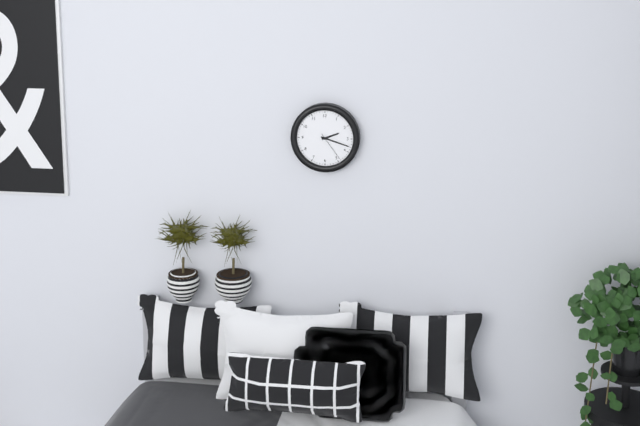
2:18
